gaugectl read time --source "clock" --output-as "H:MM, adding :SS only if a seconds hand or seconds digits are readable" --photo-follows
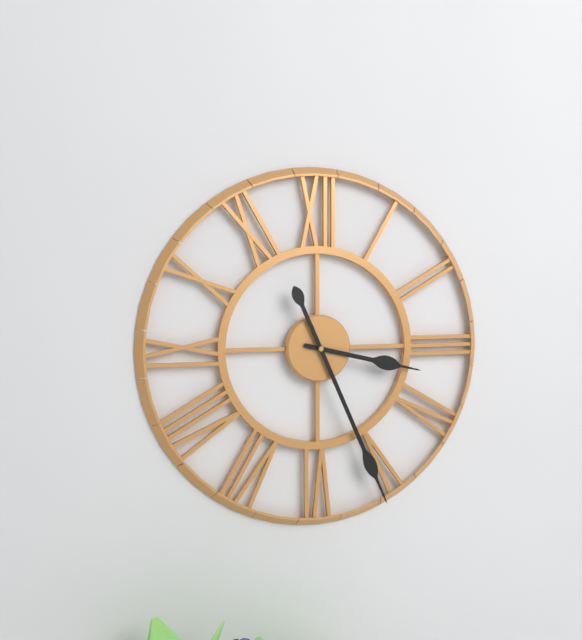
3:26
